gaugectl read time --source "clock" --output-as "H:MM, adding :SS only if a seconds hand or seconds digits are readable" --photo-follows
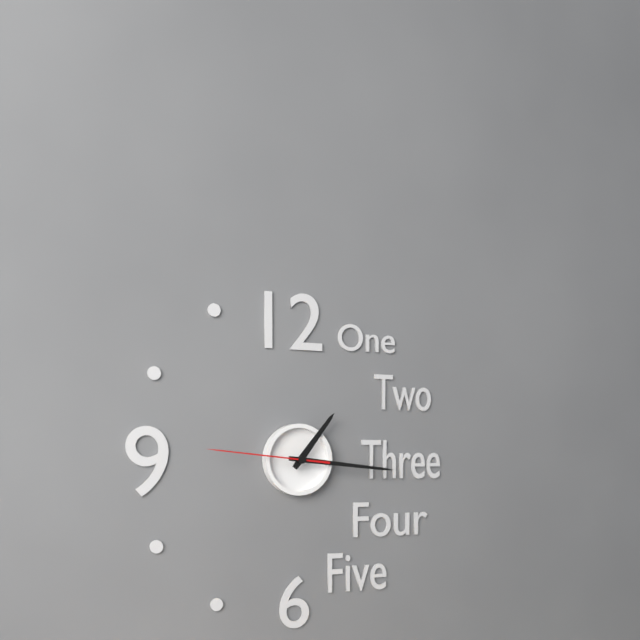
1:16:46
